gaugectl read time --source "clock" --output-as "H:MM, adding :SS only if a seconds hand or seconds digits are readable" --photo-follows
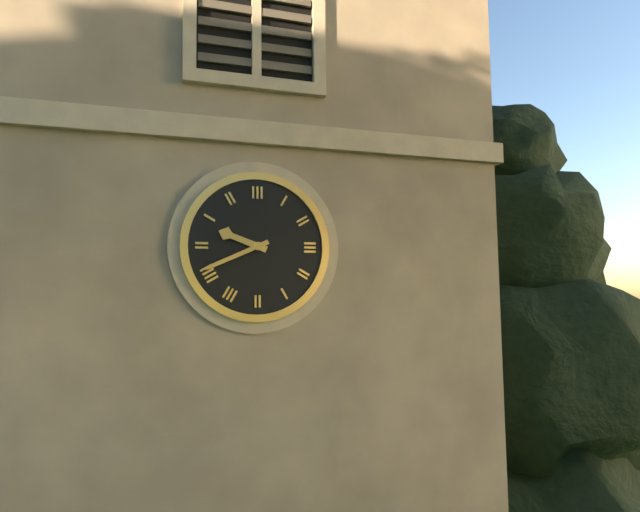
9:41
